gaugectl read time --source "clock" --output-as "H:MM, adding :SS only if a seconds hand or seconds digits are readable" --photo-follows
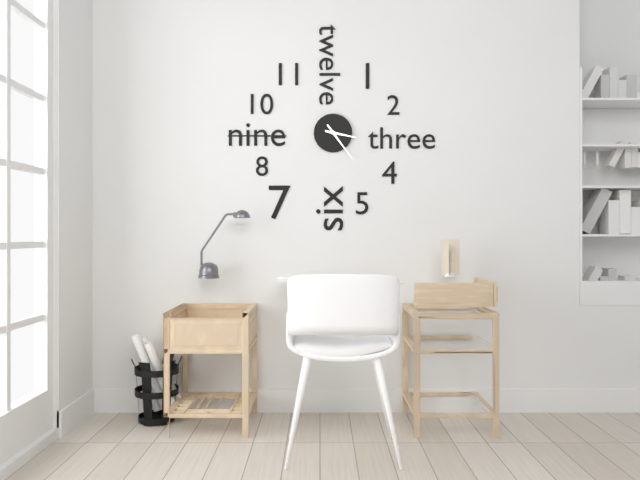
3:24
